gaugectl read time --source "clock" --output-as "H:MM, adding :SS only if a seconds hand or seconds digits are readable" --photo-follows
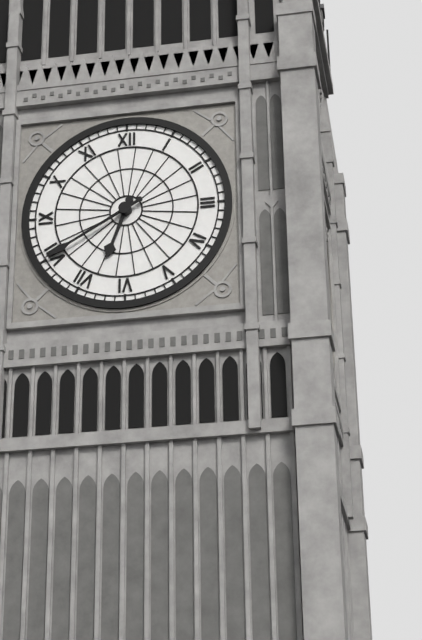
6:40
